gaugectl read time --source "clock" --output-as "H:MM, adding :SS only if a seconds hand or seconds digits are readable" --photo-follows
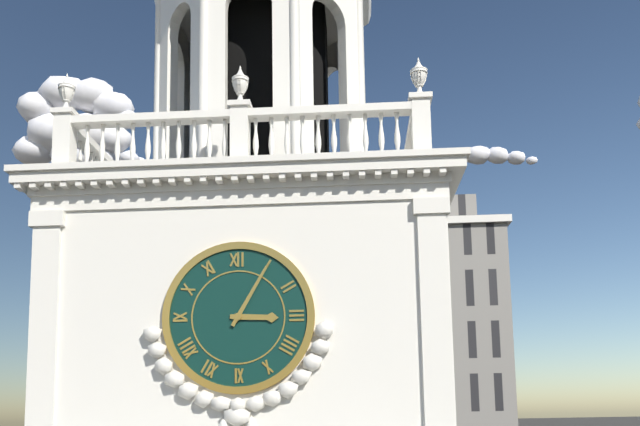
3:05
